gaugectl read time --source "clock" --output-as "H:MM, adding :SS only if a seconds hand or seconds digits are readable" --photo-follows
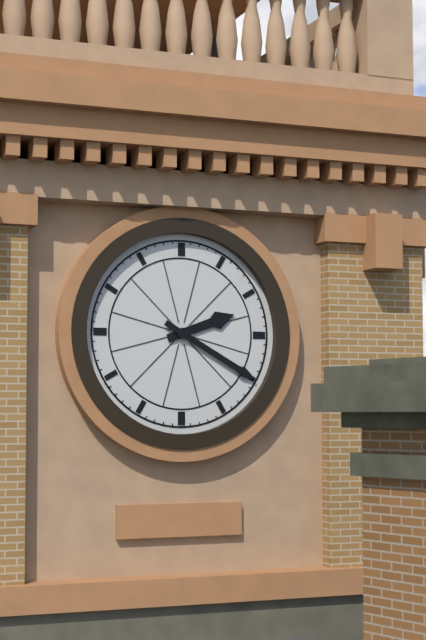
2:20
